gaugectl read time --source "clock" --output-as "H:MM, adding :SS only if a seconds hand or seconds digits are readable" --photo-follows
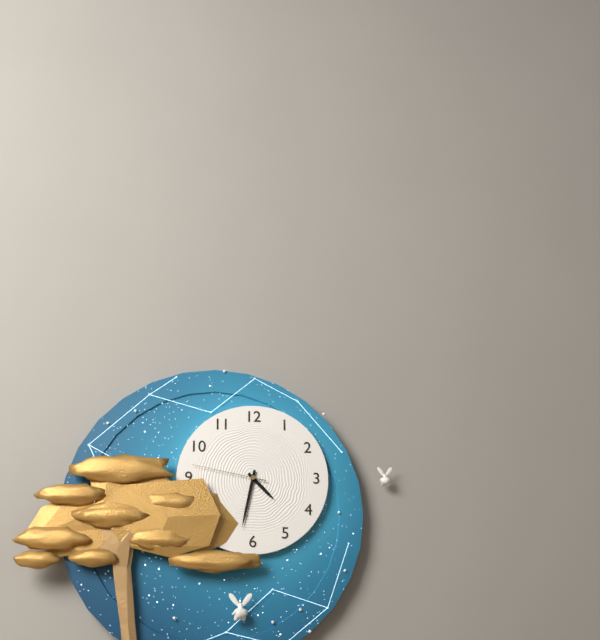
4:32:47
